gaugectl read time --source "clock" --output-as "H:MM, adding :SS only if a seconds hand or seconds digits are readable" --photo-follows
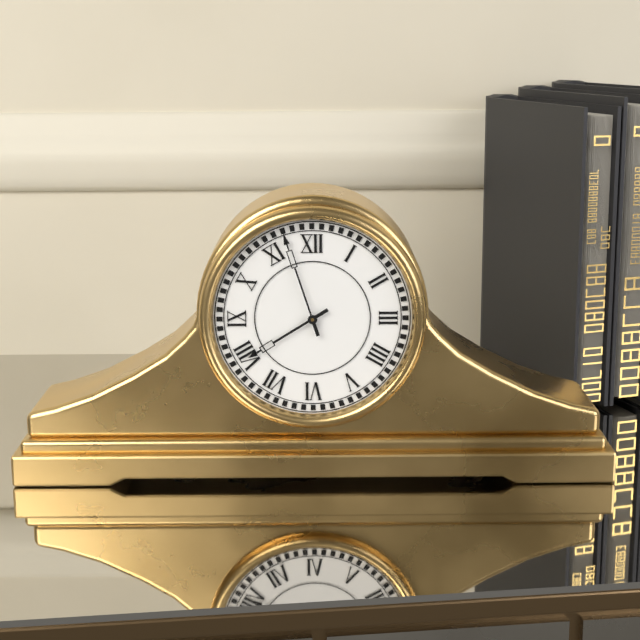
7:57
